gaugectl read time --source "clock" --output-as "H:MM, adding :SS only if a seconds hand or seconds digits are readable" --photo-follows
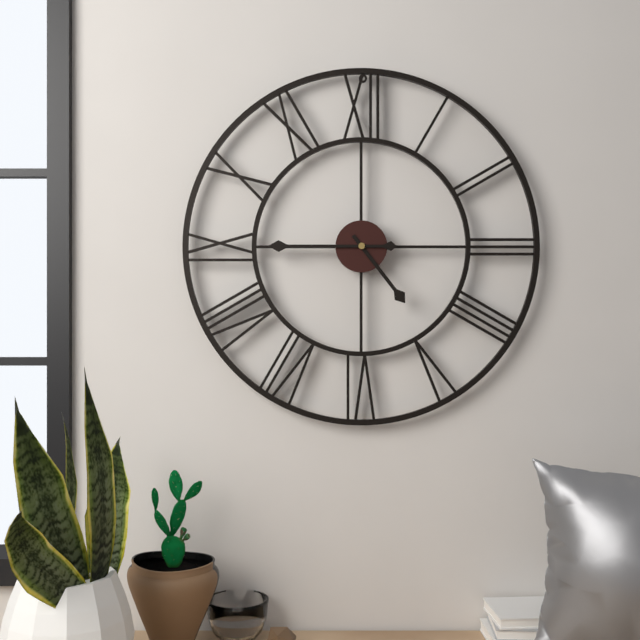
4:45
